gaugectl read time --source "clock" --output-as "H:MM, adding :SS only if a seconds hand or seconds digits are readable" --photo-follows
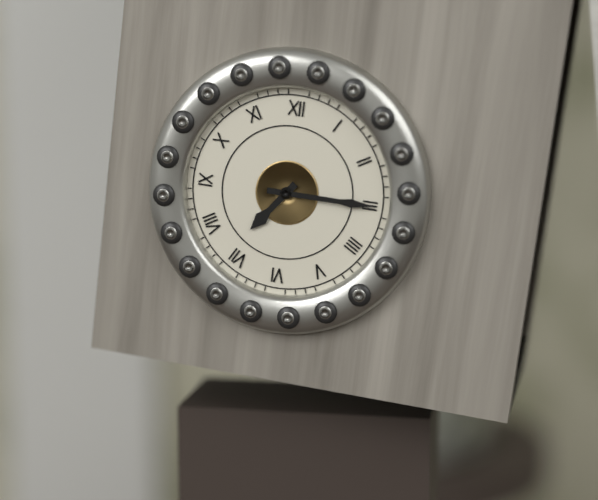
7:15
